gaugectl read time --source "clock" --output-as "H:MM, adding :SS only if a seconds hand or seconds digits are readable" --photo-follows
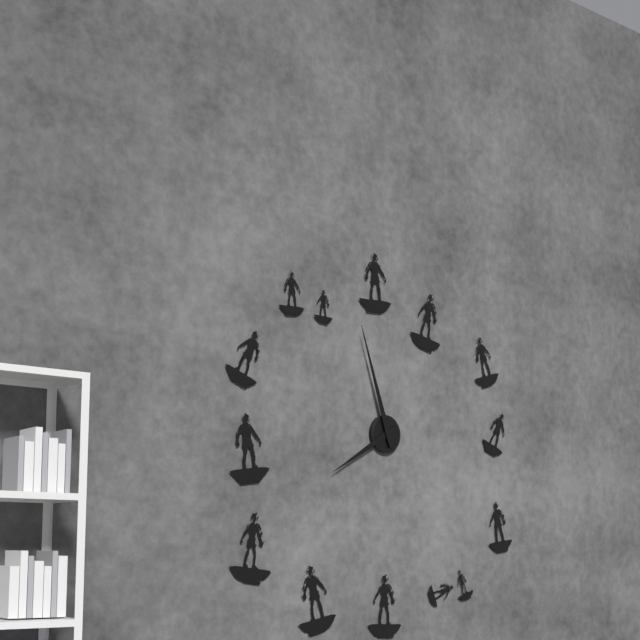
7:57
